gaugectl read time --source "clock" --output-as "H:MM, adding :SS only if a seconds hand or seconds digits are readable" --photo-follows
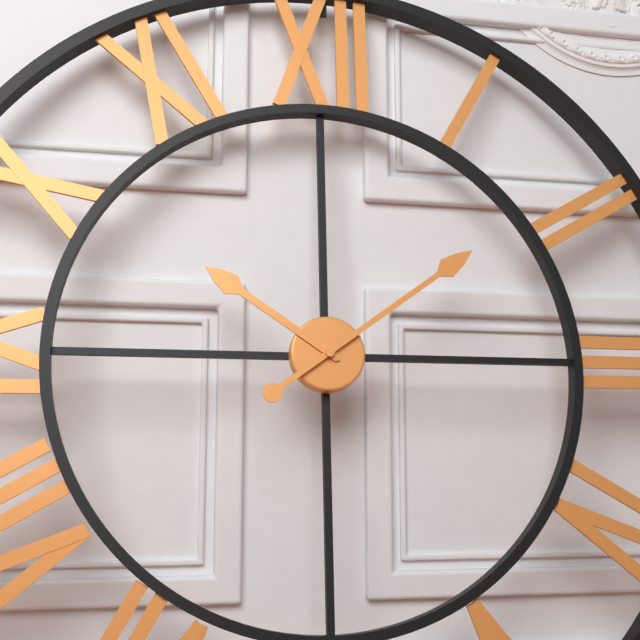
10:09
